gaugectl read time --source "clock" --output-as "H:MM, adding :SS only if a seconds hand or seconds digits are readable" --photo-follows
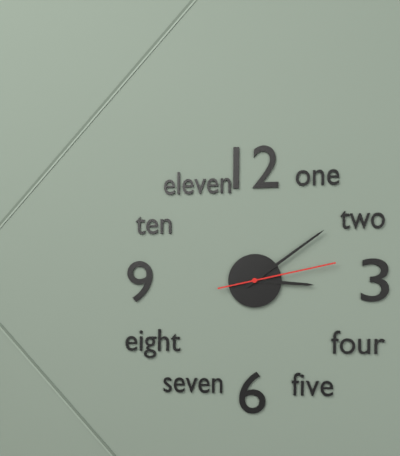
3:09:13
